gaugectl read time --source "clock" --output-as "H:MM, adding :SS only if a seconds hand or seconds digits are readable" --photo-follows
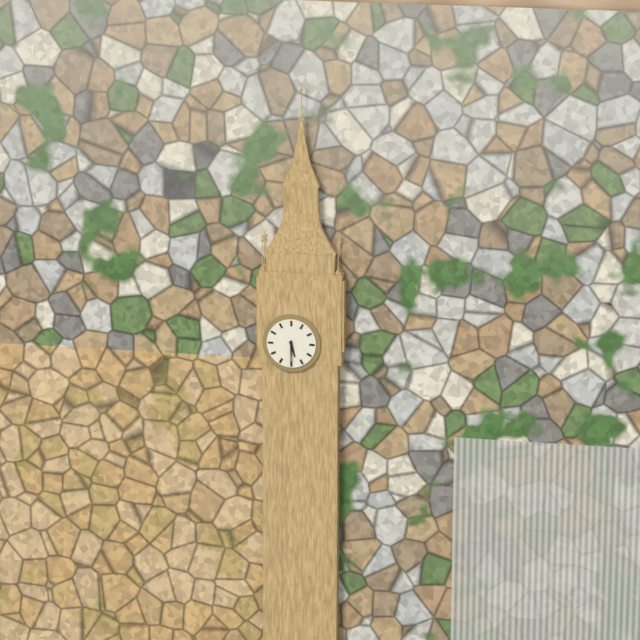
5:30
